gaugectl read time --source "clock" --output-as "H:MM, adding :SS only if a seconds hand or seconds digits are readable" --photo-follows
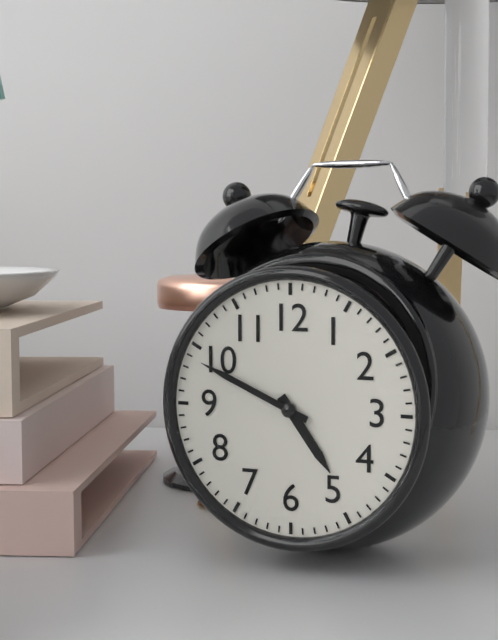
4:49
